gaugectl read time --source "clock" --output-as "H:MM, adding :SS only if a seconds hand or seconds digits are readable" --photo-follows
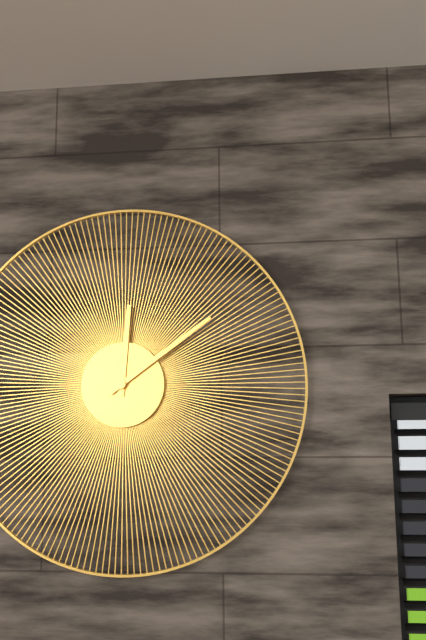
12:09
